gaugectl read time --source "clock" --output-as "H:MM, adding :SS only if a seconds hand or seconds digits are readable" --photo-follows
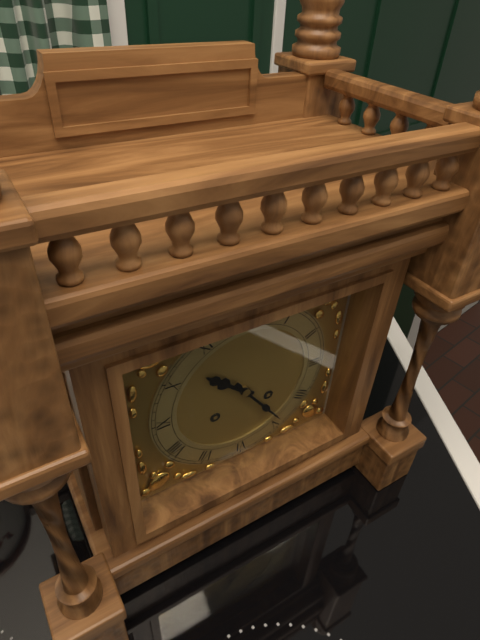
10:24
